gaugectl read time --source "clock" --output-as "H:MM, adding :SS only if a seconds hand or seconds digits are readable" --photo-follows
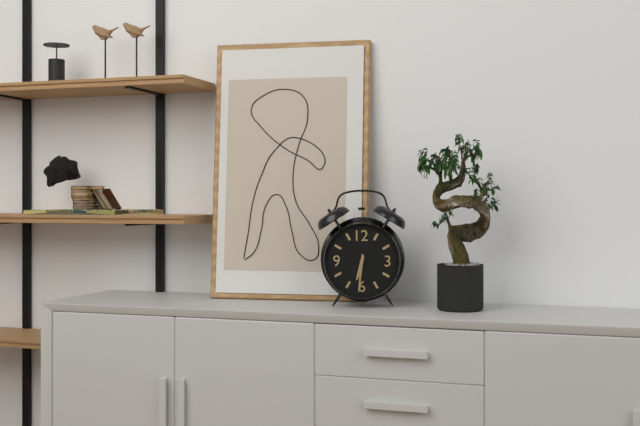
6:31
